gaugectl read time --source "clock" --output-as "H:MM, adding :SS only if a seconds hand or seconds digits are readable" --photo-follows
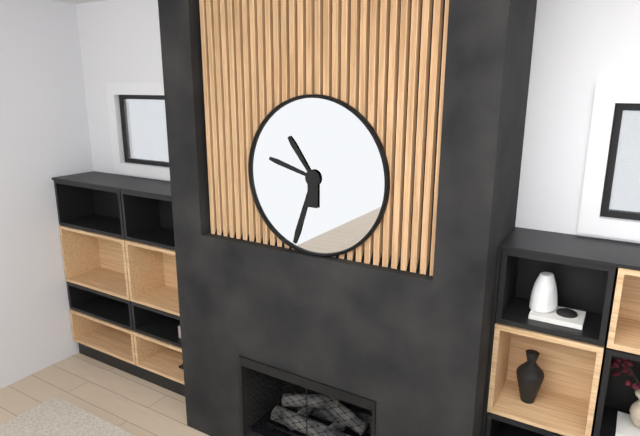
9:33:54
